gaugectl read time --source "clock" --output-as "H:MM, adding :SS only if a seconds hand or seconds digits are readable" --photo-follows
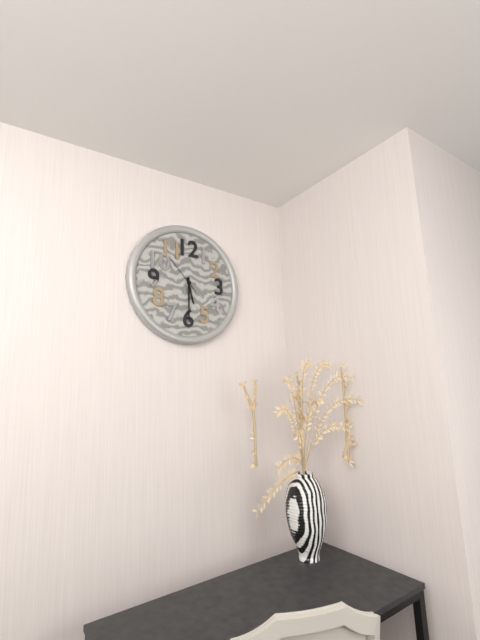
5:30
